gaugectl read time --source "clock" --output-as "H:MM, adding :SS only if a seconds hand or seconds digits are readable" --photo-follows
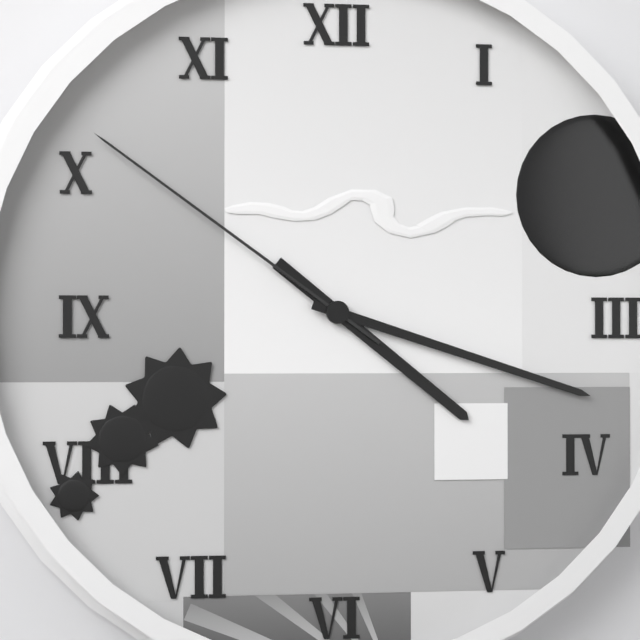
4:18:51
